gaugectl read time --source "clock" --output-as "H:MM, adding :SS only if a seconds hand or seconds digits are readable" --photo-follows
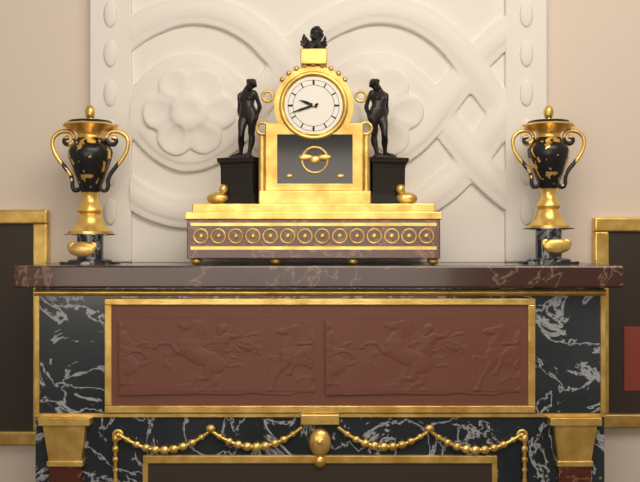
9:42
